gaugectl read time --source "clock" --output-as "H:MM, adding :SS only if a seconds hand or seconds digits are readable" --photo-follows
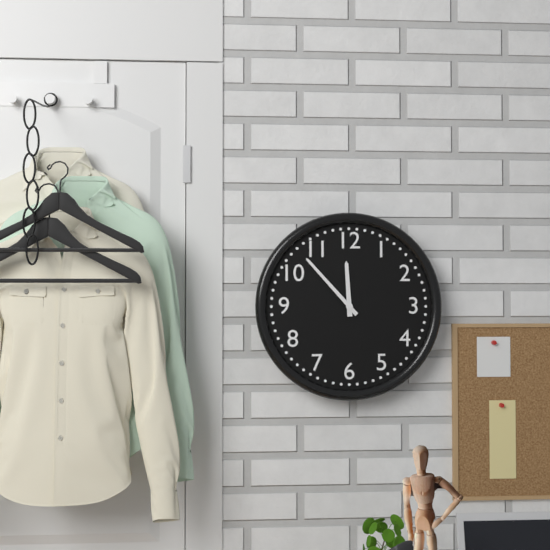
11:53
